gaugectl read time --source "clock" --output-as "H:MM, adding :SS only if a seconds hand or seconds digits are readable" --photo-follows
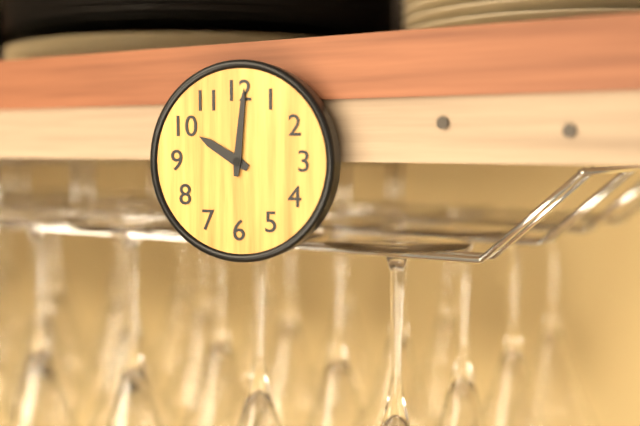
10:01
